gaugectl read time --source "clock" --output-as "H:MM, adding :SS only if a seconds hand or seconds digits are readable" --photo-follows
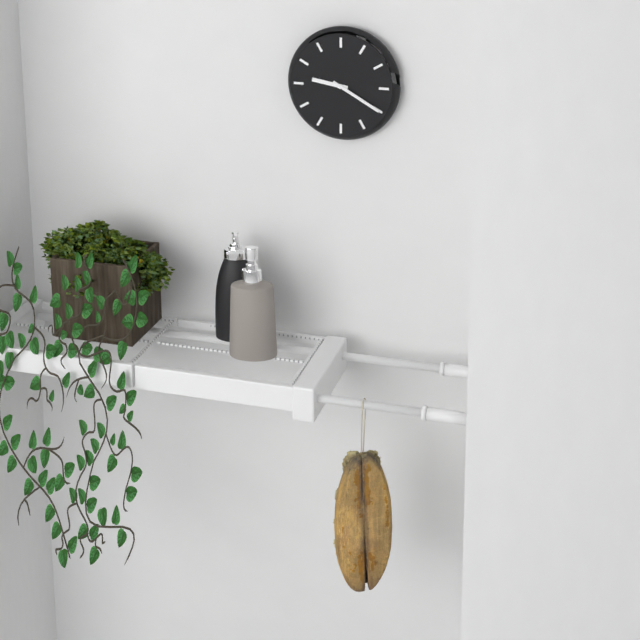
9:20
